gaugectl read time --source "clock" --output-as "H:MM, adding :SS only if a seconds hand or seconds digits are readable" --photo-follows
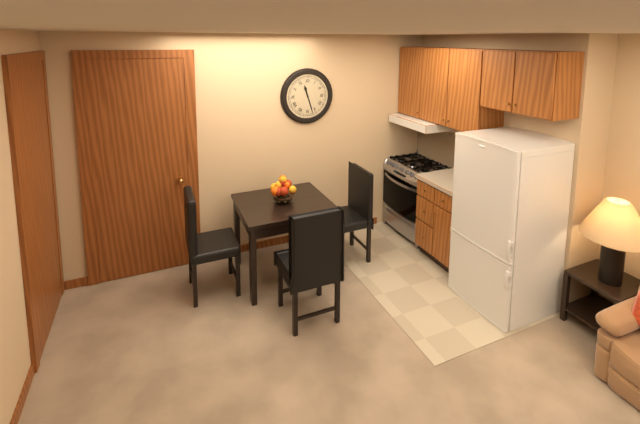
11:27
